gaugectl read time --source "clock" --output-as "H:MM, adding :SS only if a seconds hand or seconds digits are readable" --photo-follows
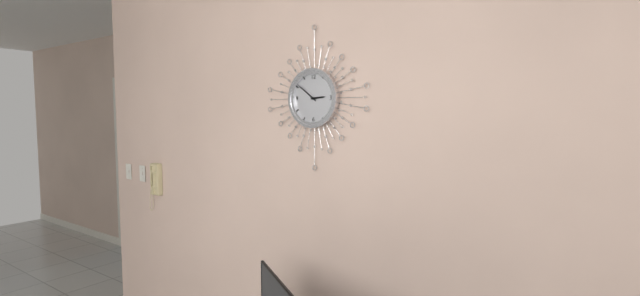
2:51
